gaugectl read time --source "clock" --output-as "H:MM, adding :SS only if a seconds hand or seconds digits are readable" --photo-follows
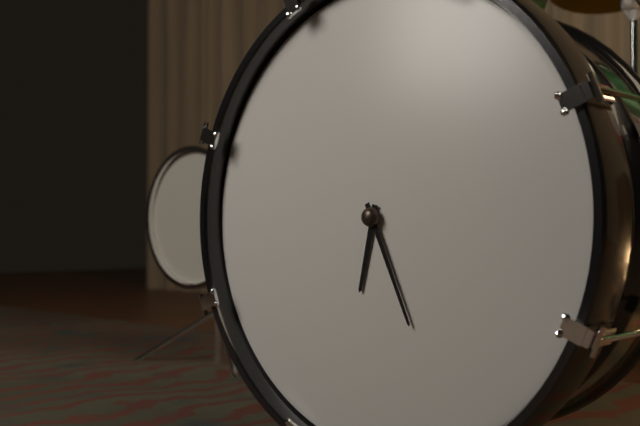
6:26
